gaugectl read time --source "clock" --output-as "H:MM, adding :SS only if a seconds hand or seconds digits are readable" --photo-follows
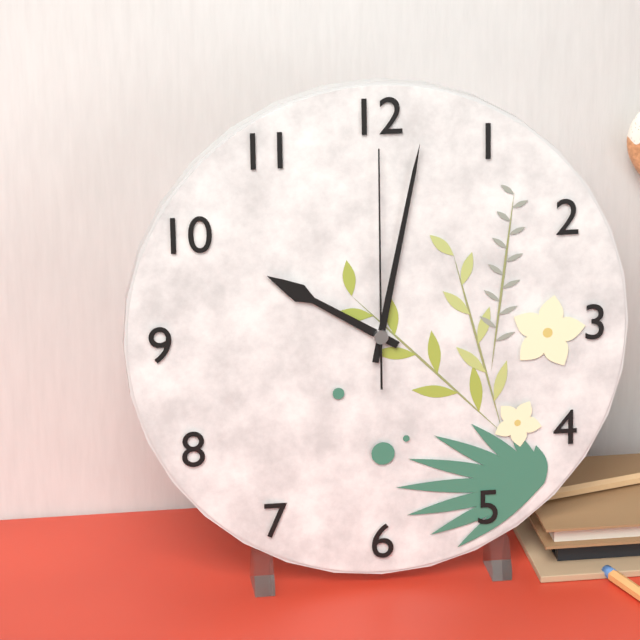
10:02:00
